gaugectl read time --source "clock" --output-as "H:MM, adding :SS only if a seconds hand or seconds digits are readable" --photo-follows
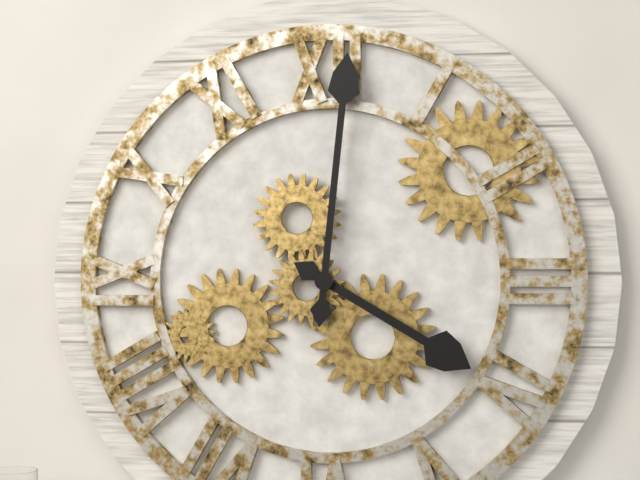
4:01
